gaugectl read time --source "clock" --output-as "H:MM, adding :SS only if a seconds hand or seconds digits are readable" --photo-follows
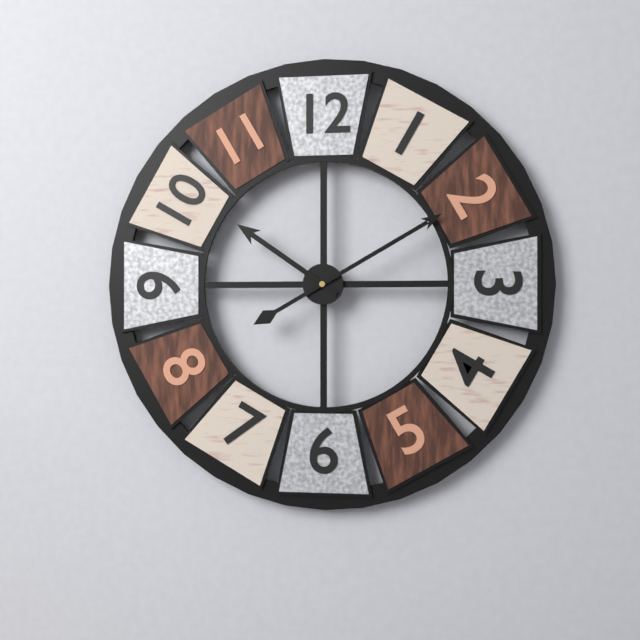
10:10
